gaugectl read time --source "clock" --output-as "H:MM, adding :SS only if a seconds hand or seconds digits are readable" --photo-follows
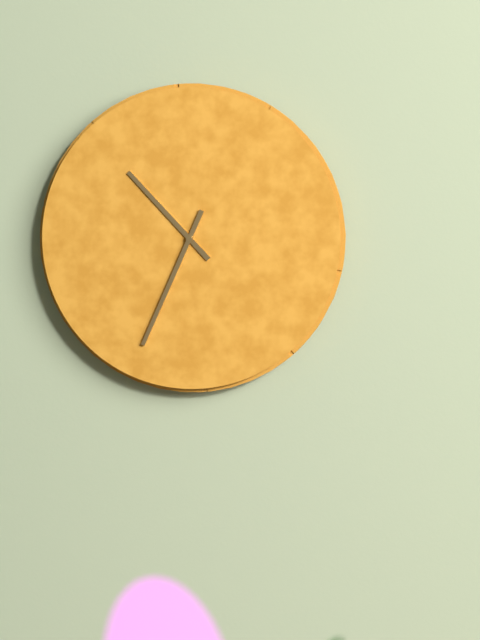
10:34
